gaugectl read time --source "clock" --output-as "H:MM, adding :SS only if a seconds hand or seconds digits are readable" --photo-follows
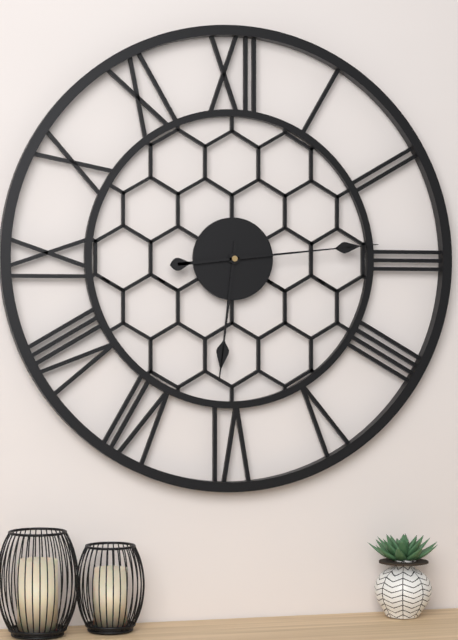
6:14
